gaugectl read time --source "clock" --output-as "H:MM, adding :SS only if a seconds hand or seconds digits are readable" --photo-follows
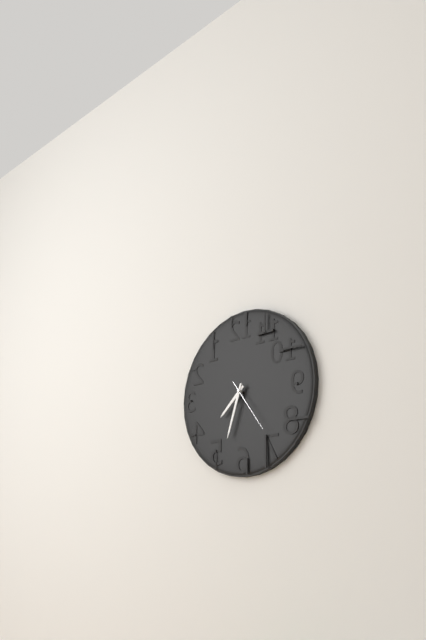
7:33
